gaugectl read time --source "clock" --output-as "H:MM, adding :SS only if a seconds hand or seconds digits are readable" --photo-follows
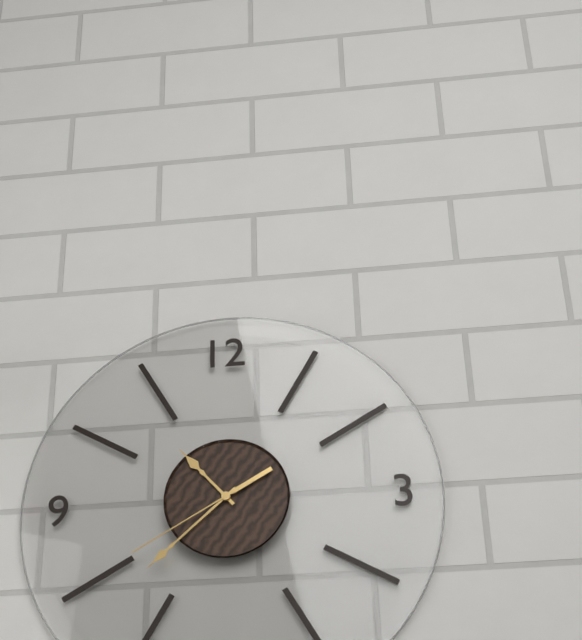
10:38:40
